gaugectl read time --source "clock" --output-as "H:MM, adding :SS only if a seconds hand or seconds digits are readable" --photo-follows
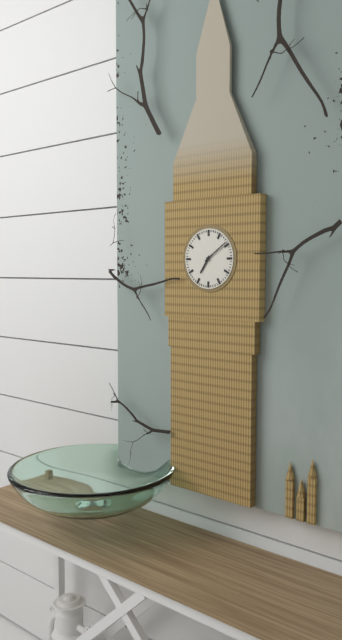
7:09
